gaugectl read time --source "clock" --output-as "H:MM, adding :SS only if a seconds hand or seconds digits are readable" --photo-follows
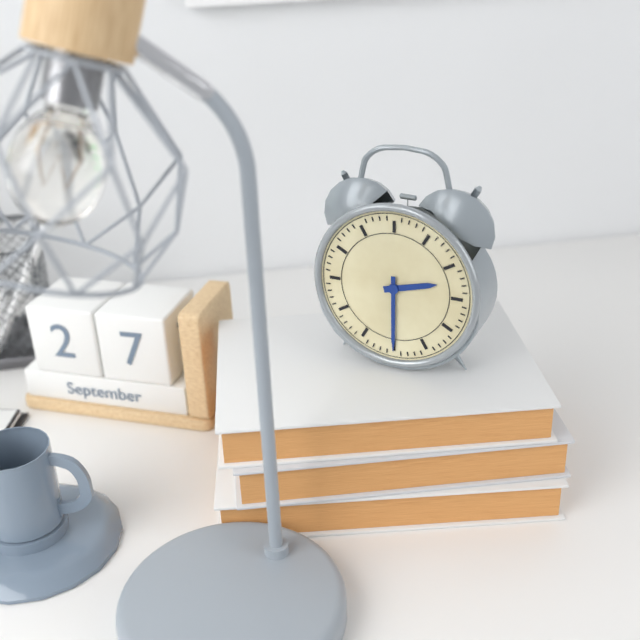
2:30
